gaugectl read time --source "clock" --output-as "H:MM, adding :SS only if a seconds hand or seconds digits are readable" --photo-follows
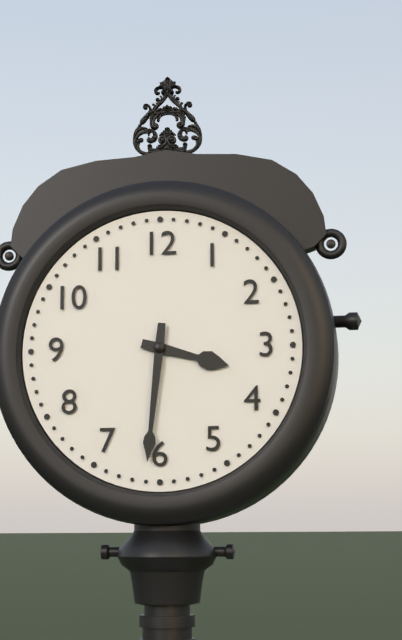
3:31
